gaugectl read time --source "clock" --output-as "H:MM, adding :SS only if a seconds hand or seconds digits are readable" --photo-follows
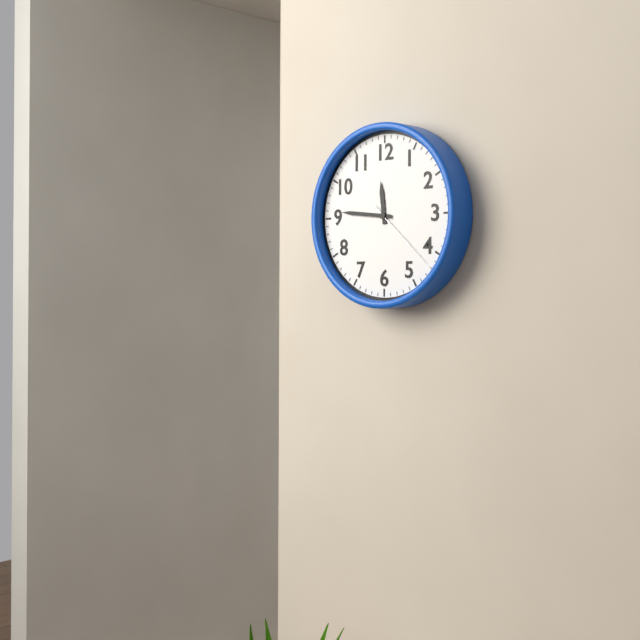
11:46:22
